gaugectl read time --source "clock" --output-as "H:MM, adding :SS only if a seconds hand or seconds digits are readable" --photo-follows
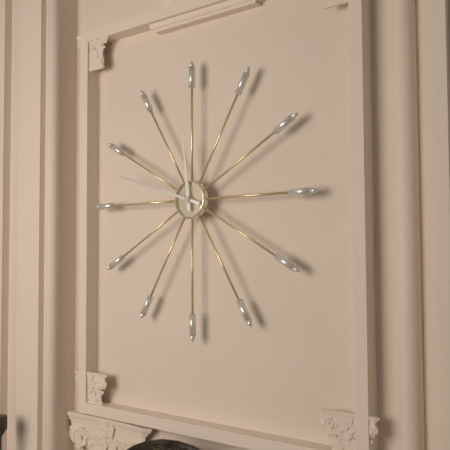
11:48
